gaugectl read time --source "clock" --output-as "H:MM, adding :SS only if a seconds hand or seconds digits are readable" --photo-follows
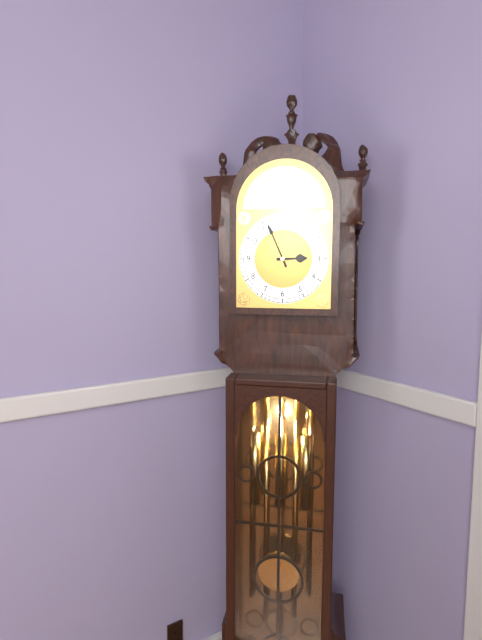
2:56
